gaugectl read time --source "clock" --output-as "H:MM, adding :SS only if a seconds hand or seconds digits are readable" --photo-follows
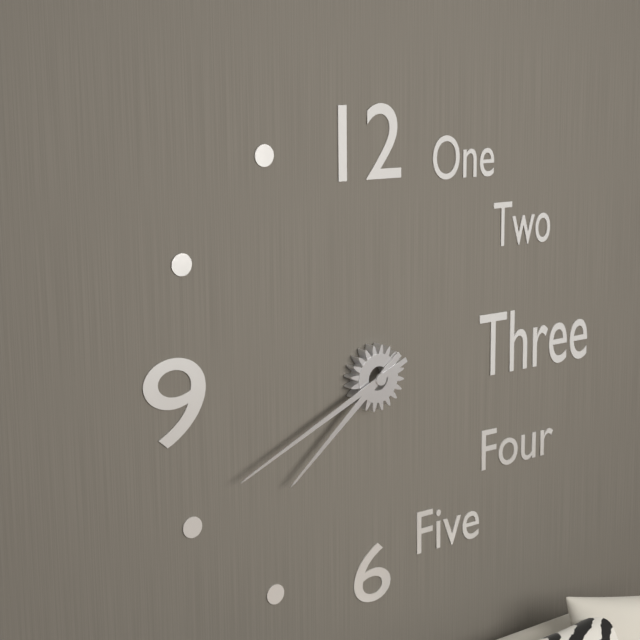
7:41
